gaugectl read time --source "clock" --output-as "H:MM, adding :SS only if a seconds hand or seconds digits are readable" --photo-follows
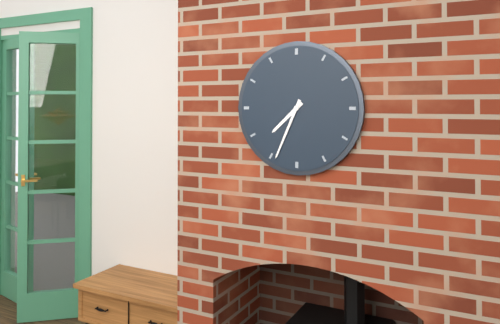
7:34
